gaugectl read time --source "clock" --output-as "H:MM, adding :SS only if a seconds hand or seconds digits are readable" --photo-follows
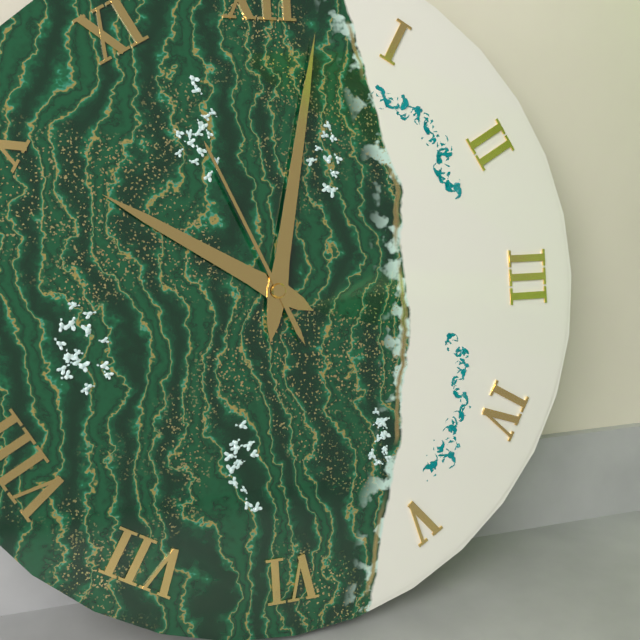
10:02:56
